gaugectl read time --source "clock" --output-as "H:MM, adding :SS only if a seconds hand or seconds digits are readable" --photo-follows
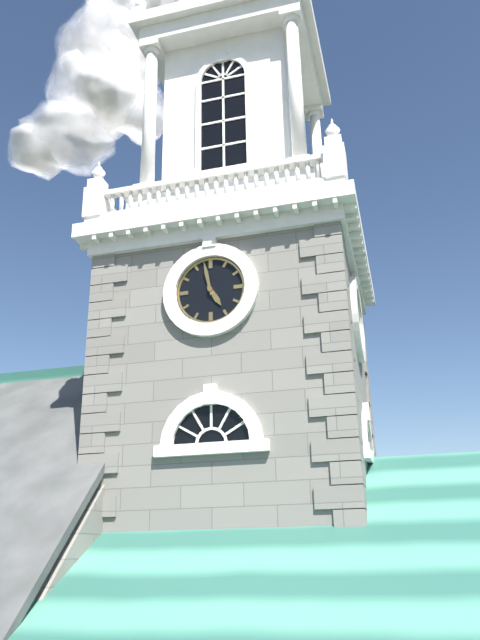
4:58
